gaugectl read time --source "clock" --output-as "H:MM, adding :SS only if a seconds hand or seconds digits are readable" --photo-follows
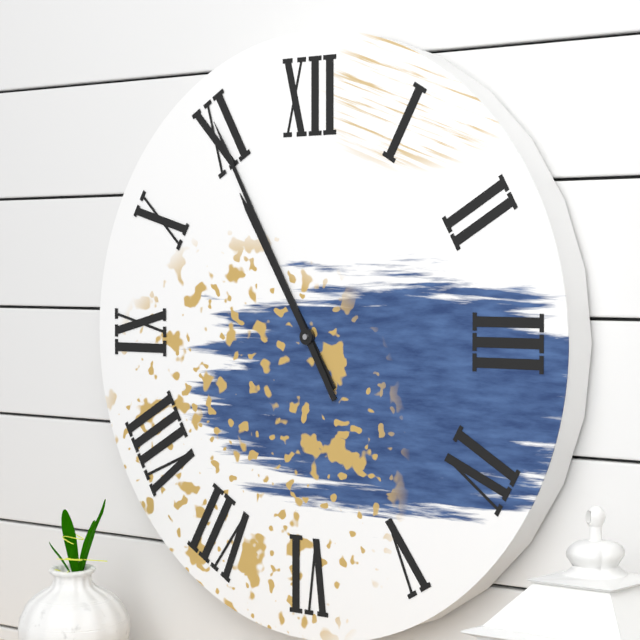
10:55
